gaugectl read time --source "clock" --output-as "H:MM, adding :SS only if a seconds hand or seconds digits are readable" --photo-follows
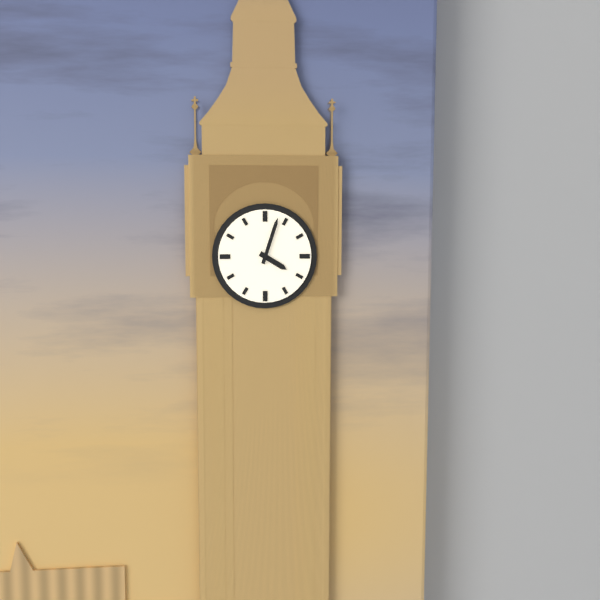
4:03
